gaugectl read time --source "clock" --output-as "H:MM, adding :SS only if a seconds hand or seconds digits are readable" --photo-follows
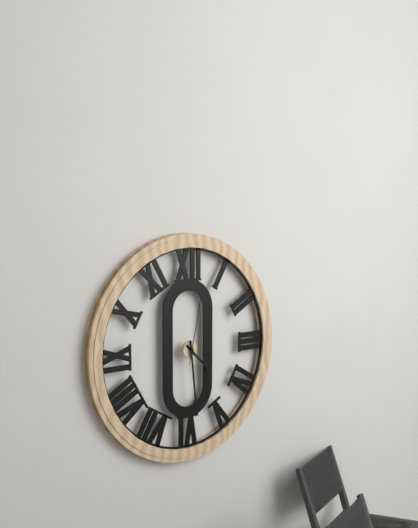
4:29:02
